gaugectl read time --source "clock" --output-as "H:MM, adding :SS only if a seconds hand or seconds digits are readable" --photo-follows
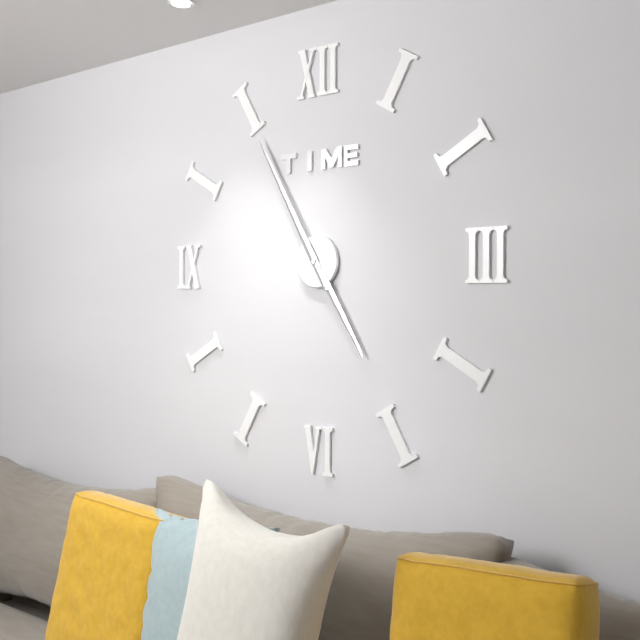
4:55
